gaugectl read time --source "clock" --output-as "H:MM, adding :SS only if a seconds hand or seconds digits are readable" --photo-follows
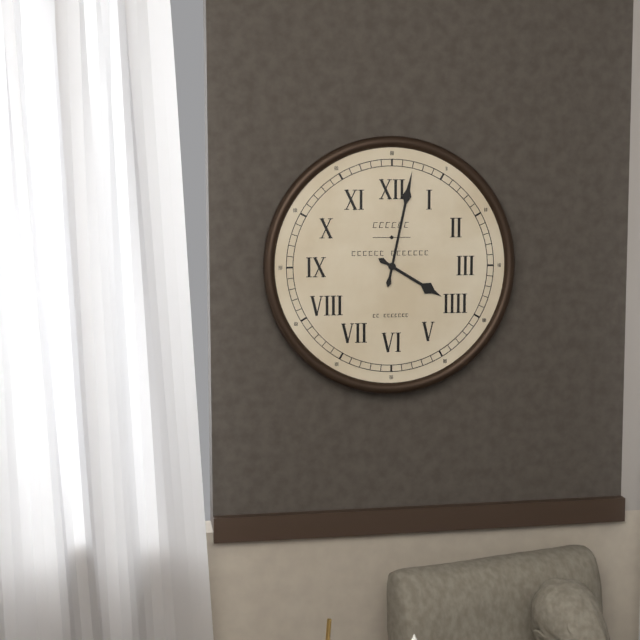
4:02
